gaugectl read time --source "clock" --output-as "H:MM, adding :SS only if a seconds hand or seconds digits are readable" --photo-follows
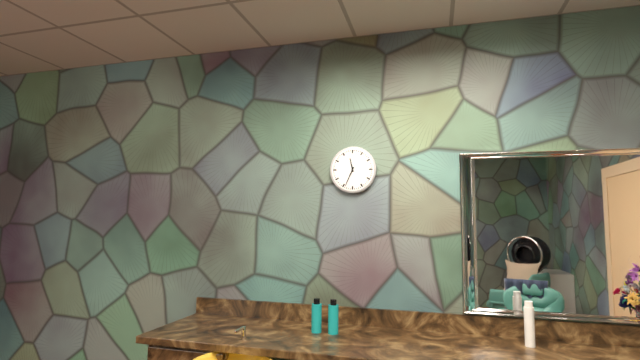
11:34
